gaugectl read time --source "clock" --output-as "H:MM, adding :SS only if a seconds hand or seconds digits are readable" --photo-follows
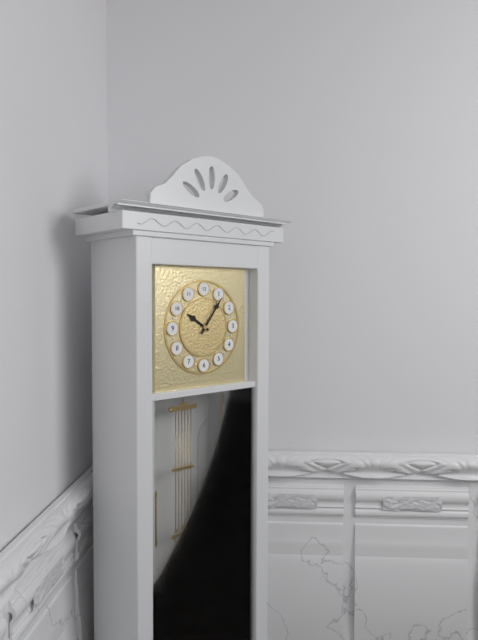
10:06
